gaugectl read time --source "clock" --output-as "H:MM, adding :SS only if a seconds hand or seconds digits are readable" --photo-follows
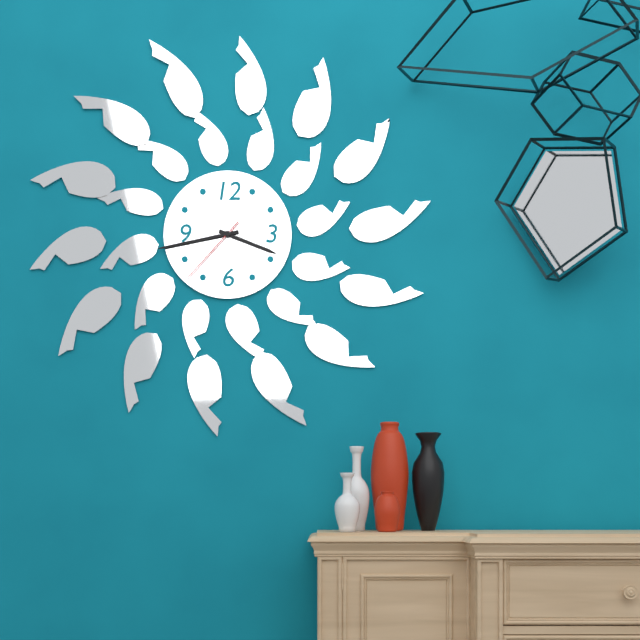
3:43:37
